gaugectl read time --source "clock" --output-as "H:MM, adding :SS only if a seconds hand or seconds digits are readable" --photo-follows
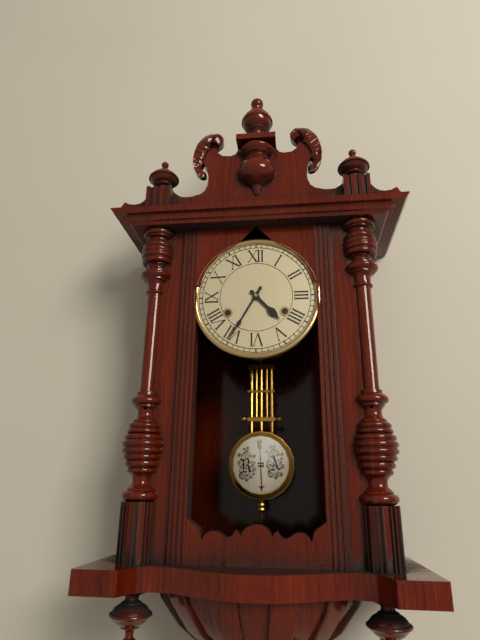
4:35
